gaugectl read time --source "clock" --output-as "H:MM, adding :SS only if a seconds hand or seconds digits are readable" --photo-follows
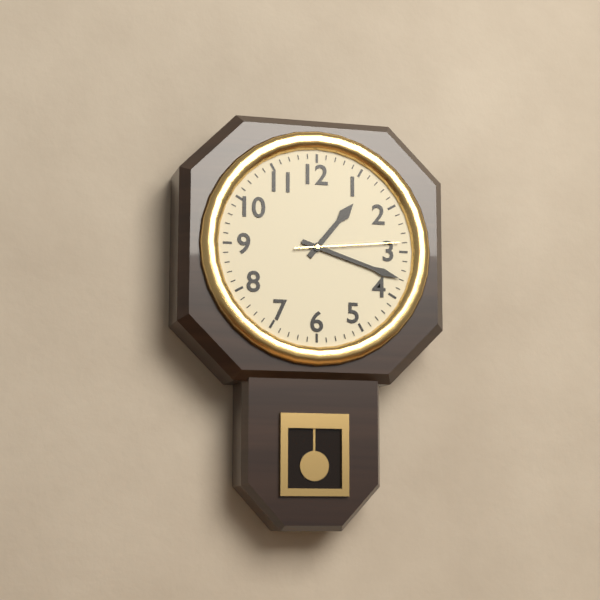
1:18:14
